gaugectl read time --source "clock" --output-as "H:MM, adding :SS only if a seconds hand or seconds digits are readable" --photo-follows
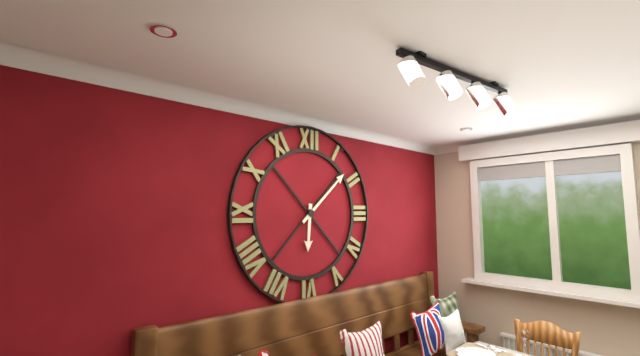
6:08
